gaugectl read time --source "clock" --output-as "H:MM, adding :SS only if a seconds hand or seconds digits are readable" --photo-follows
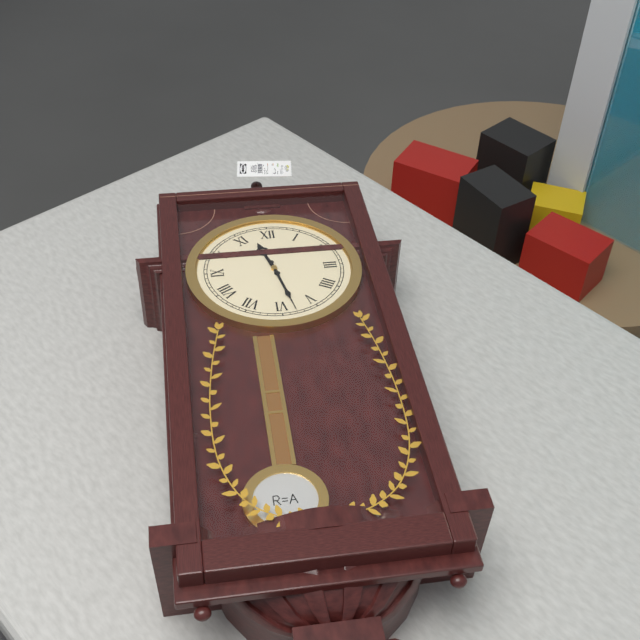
11:28
